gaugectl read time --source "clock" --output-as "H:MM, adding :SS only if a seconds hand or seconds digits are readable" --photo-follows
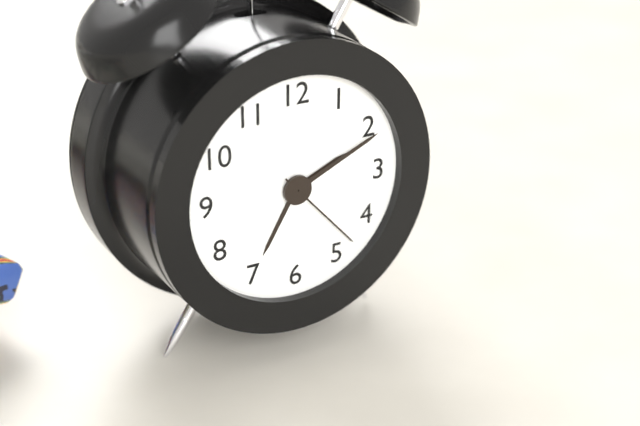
2:11:23
